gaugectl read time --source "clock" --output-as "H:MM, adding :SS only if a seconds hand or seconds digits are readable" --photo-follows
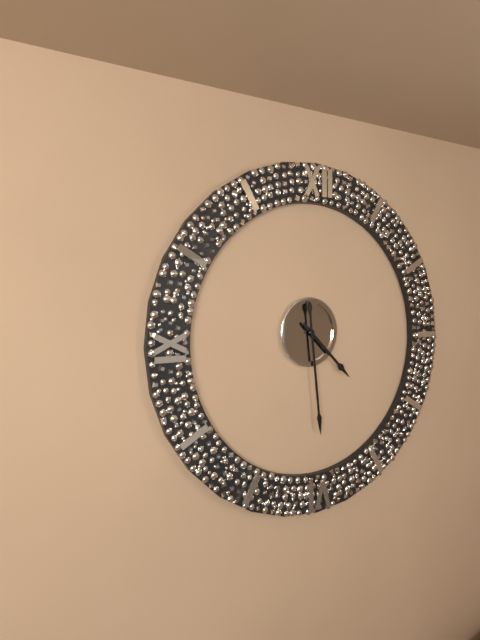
4:29
